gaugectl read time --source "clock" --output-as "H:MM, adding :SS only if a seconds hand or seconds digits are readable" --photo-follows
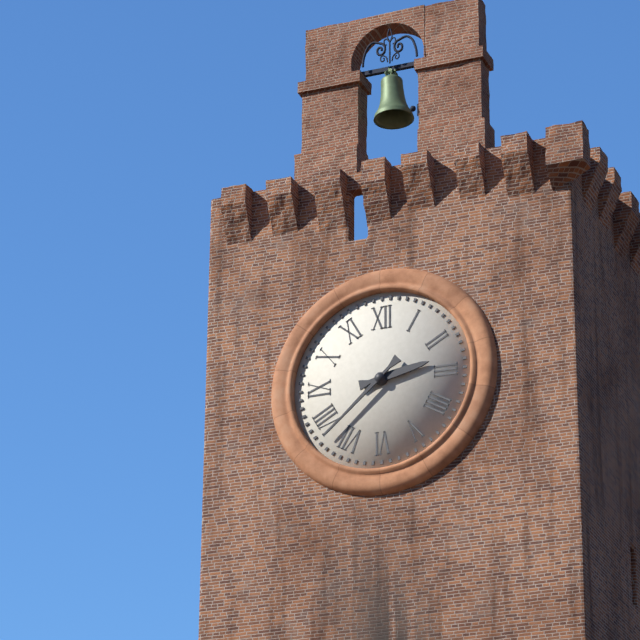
2:38
